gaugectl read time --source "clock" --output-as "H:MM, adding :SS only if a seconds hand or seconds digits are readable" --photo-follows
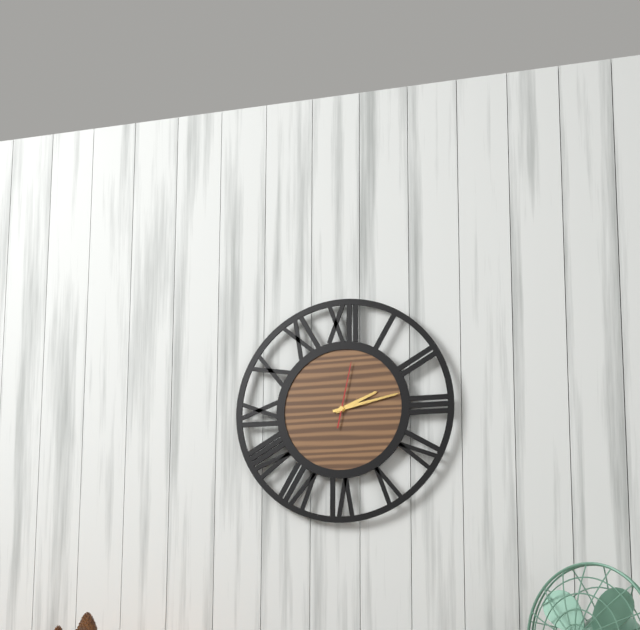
2:13:02
